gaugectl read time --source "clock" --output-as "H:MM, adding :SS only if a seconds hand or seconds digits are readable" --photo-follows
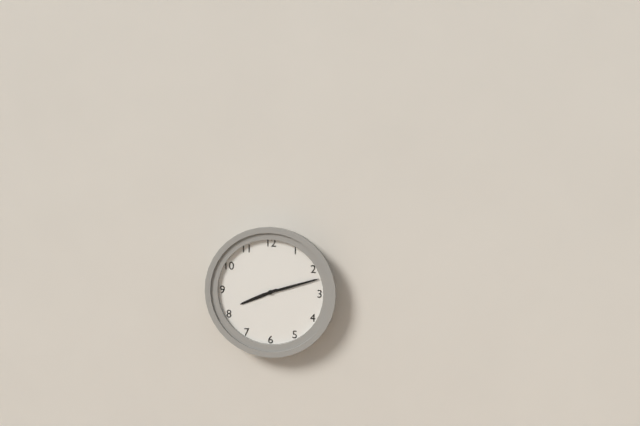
8:12
